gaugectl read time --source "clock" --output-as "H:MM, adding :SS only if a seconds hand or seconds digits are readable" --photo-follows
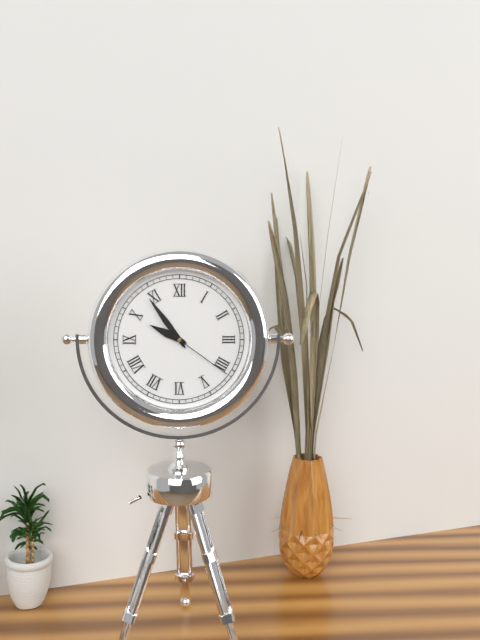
9:54:21
